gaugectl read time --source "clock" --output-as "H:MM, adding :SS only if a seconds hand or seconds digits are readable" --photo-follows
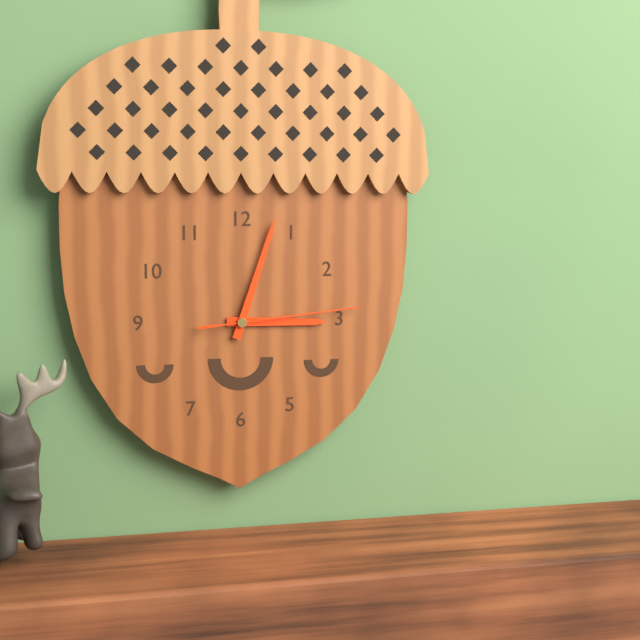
3:03:14
